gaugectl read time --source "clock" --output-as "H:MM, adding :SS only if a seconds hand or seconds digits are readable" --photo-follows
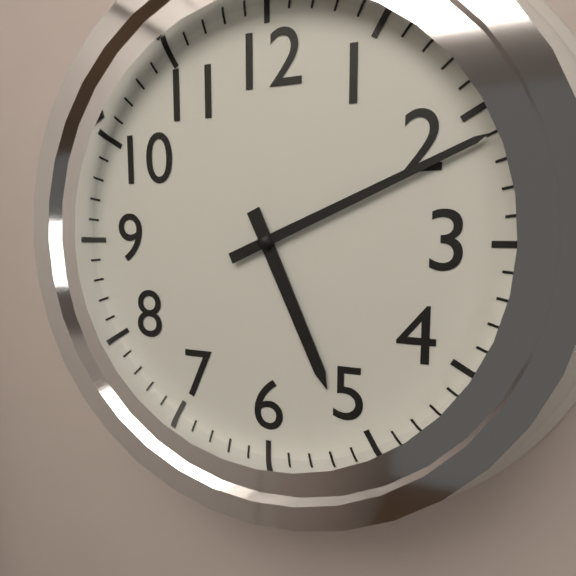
5:11
